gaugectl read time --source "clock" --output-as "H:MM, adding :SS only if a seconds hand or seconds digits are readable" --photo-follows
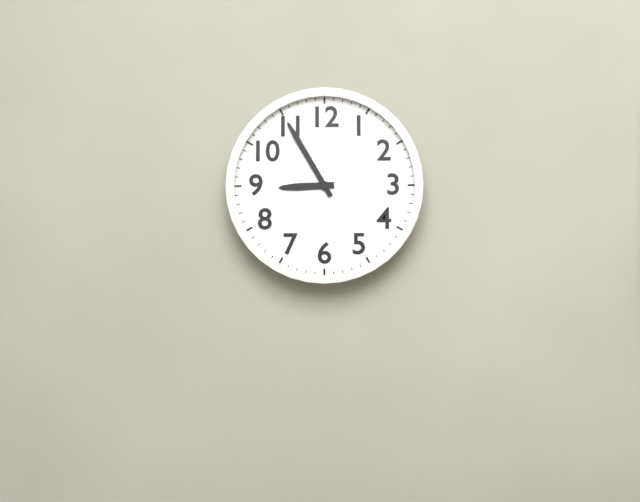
8:55
